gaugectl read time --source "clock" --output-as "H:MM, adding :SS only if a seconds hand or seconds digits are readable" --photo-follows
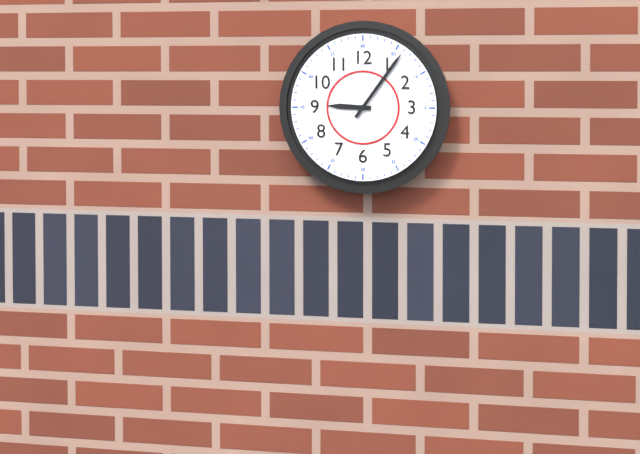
9:06
